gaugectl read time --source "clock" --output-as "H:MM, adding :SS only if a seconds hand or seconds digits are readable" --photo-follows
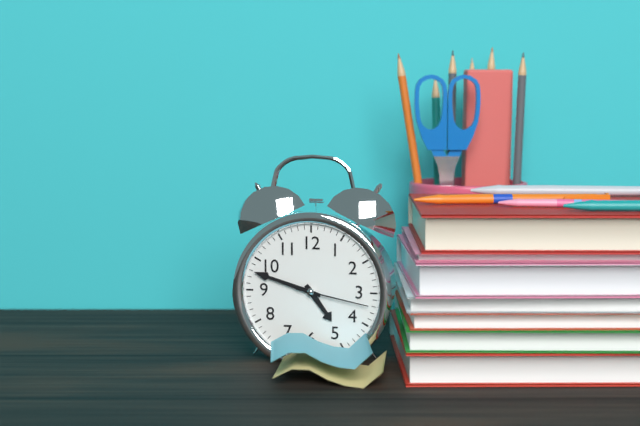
4:48:17
